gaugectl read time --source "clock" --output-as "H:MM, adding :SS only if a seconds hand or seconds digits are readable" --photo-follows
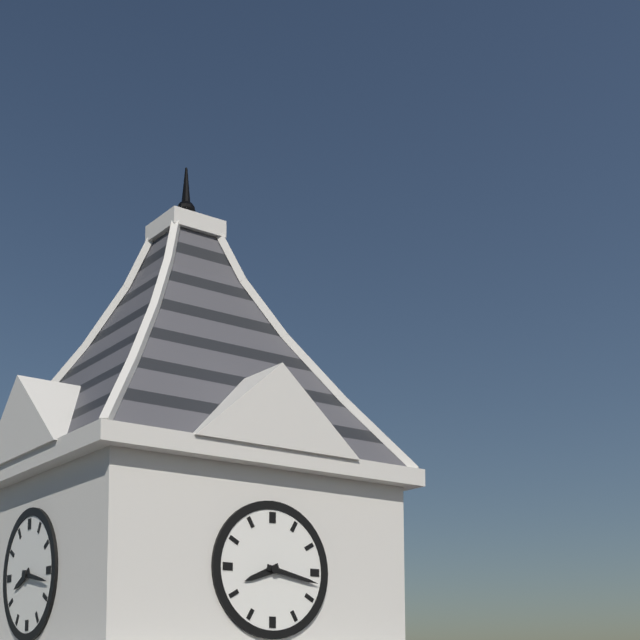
8:17
